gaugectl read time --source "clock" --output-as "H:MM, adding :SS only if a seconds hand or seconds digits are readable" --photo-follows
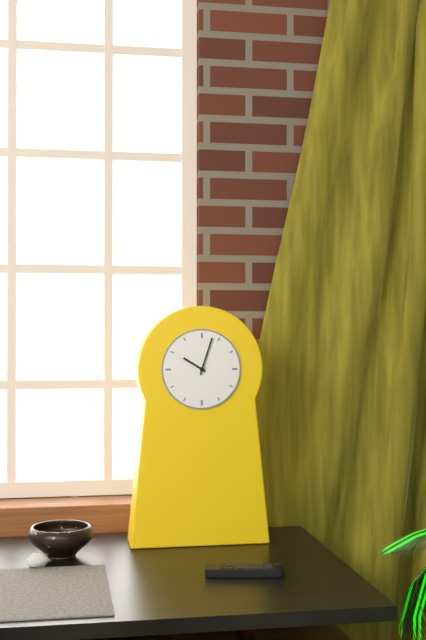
10:03
